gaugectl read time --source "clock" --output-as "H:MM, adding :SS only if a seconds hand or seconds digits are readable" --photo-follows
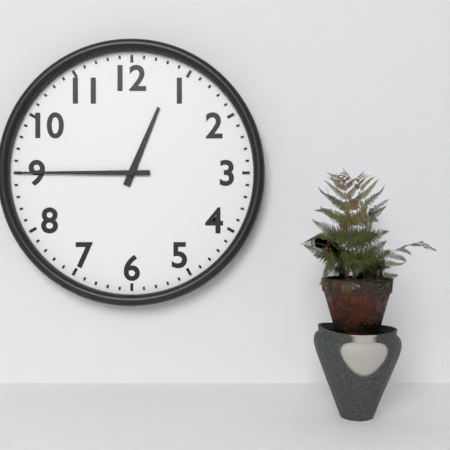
12:45
